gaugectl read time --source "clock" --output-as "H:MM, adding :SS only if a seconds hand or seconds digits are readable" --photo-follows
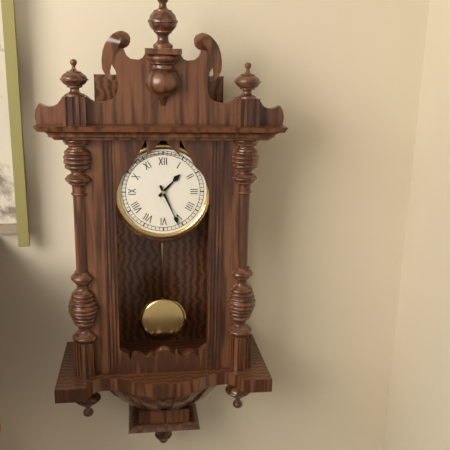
1:26
